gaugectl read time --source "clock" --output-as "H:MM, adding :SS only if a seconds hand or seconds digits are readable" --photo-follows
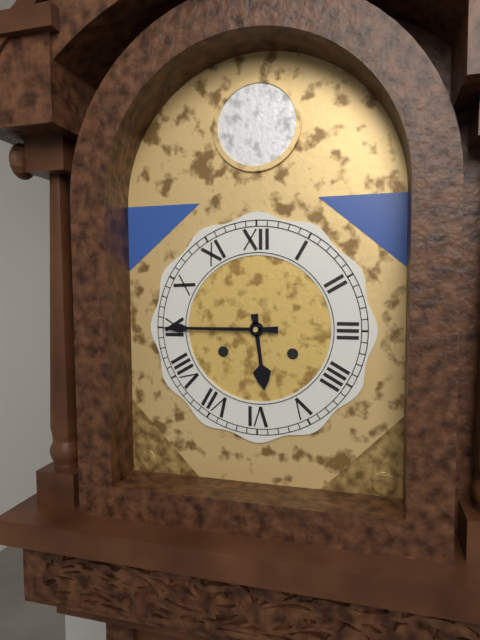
5:45
